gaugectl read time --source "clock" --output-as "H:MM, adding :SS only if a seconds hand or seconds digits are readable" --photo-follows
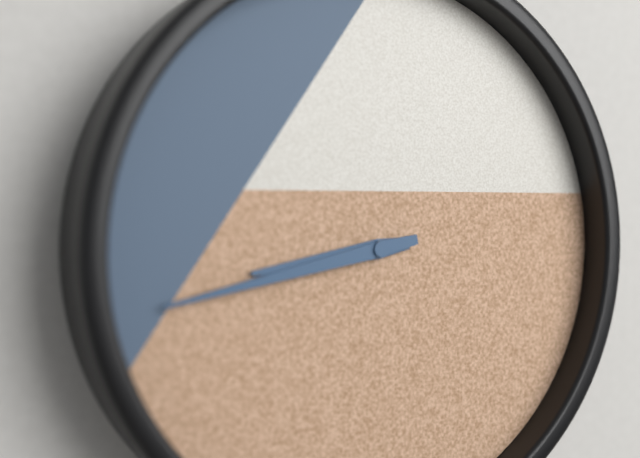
8:43
